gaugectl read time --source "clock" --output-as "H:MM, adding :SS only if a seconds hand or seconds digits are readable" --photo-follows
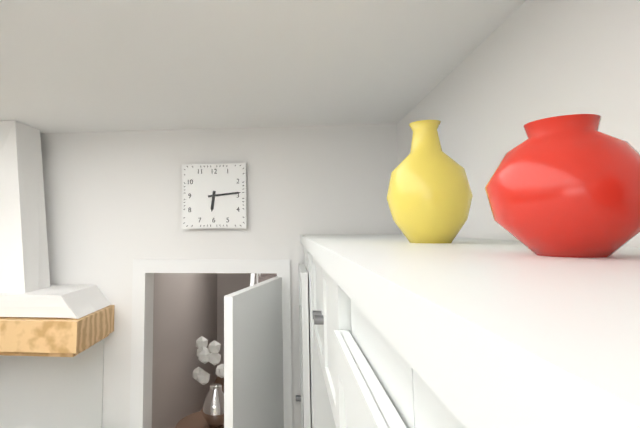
6:14
